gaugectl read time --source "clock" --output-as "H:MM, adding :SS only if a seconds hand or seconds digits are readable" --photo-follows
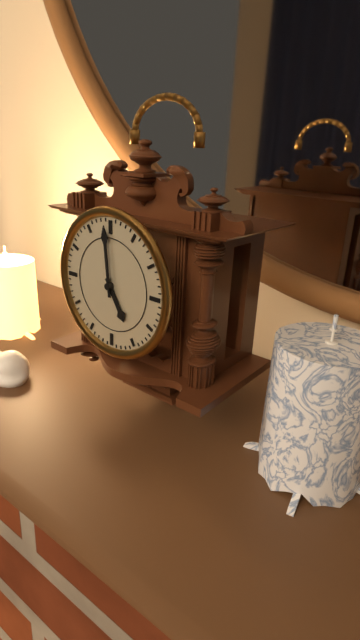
4:59
